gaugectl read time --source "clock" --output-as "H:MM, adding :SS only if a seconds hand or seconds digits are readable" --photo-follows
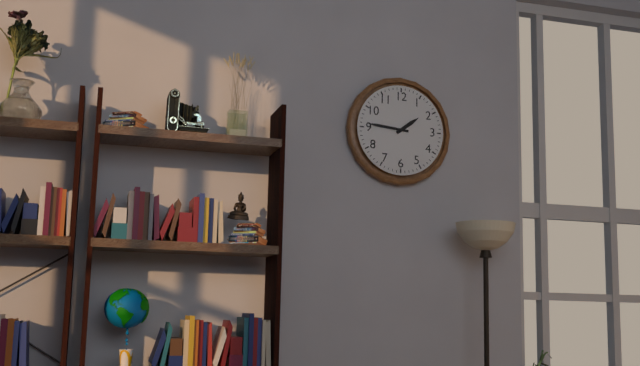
1:46
